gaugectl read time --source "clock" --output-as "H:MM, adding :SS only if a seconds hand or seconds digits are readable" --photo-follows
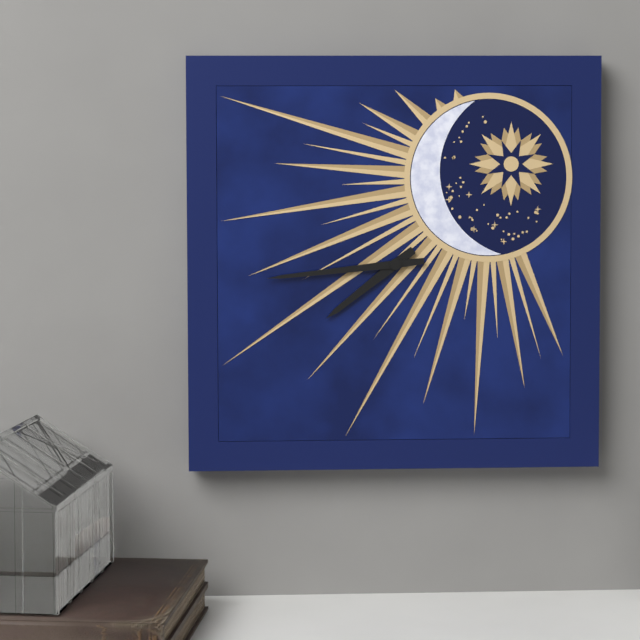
7:44
